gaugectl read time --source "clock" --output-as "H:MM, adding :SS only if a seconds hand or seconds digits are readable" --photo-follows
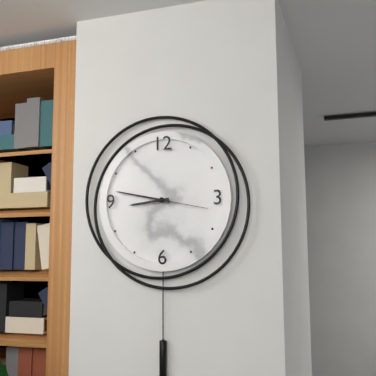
8:47:17
